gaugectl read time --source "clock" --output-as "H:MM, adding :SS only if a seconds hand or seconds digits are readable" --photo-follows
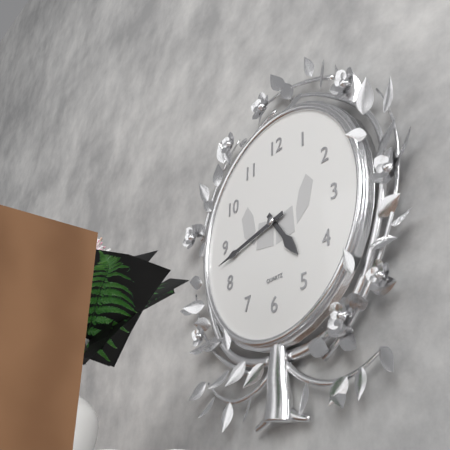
4:43
